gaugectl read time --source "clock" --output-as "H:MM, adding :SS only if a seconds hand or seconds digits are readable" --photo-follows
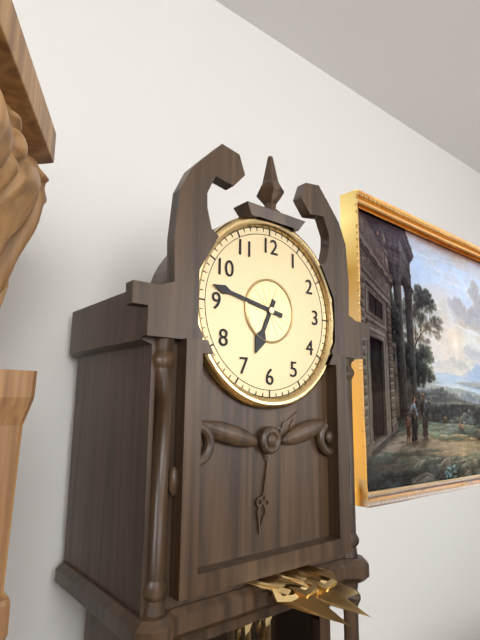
6:47
